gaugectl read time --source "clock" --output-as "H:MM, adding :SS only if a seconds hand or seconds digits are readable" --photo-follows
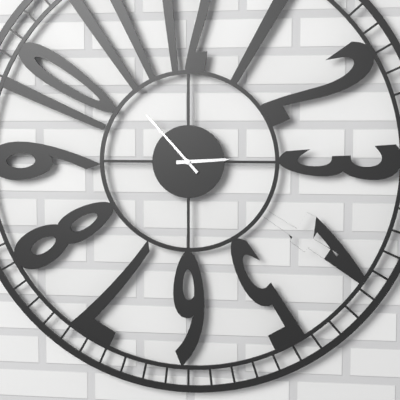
2:53
